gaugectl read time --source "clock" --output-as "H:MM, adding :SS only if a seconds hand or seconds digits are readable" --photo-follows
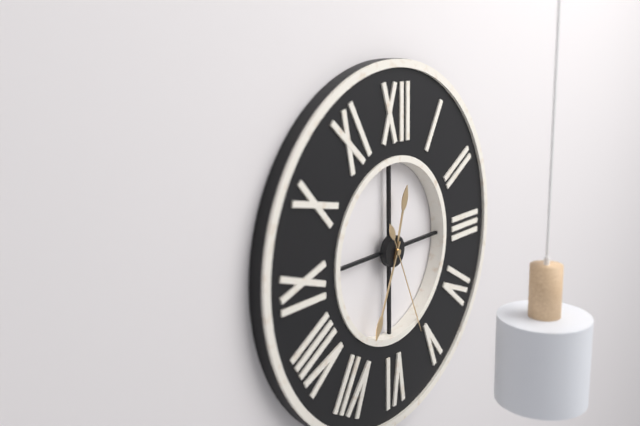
12:34:26
